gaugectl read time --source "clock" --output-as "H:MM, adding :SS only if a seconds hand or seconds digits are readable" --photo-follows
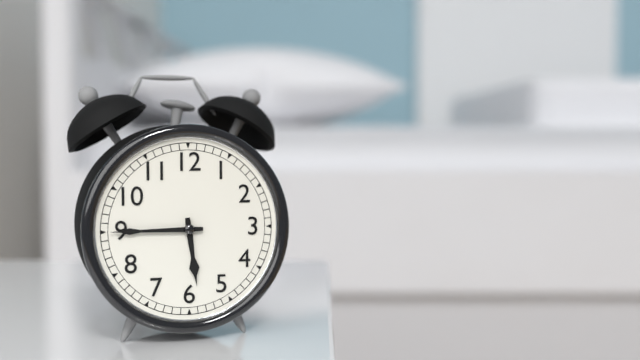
5:45
